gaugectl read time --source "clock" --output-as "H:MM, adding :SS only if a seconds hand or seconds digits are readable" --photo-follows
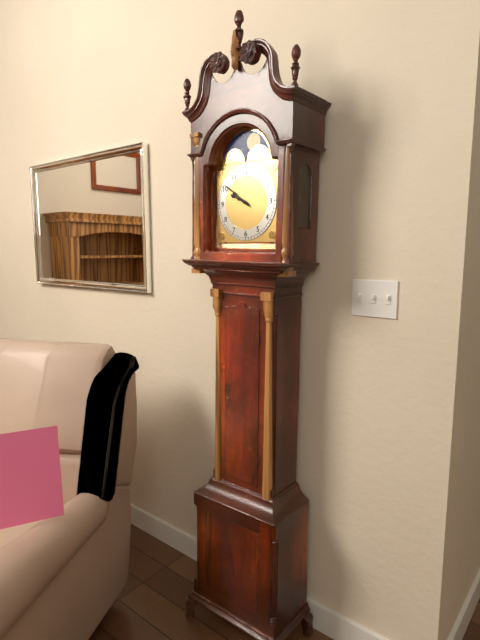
9:51
